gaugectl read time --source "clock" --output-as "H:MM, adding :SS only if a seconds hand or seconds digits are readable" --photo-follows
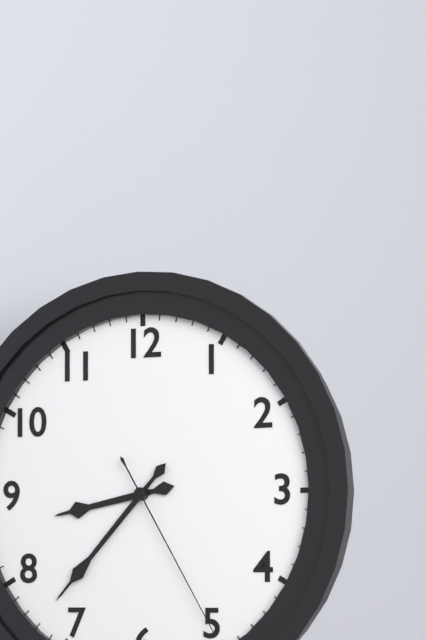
8:37:25
